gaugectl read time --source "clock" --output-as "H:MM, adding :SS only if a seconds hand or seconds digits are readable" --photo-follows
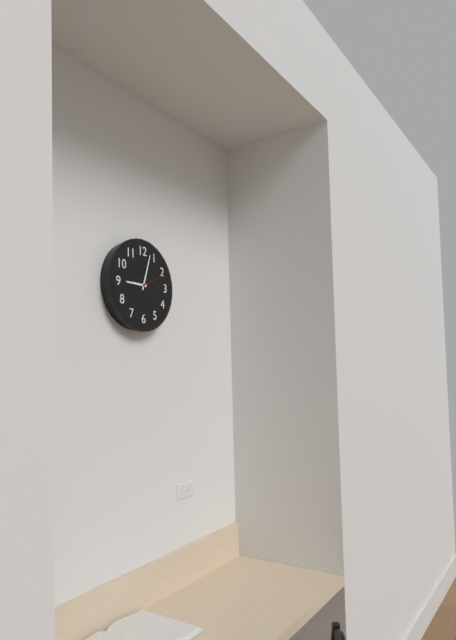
9:03
